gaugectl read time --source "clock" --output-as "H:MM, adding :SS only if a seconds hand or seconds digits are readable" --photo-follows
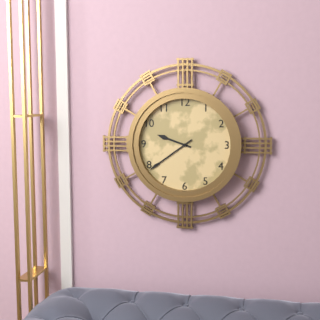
9:39
